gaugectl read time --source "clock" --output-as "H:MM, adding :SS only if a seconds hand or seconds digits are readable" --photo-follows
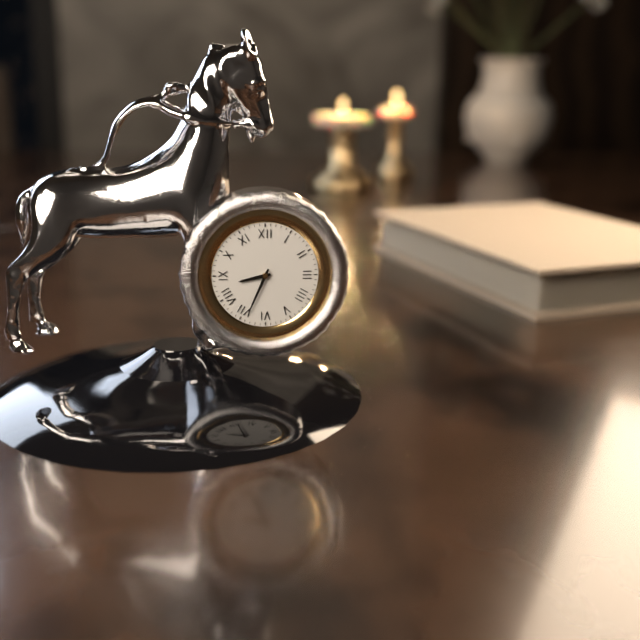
8:34
